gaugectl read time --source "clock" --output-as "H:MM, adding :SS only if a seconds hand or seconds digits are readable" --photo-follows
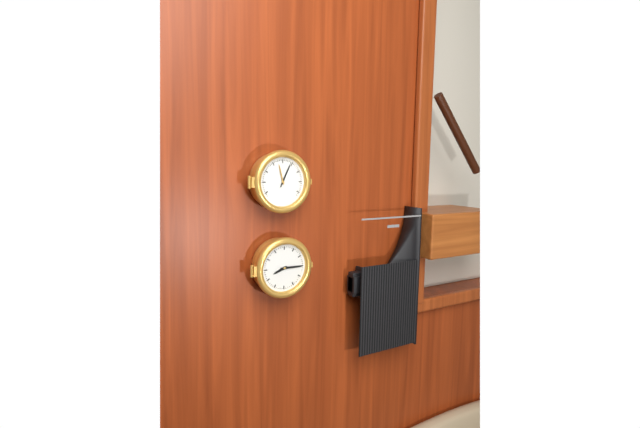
8:15
